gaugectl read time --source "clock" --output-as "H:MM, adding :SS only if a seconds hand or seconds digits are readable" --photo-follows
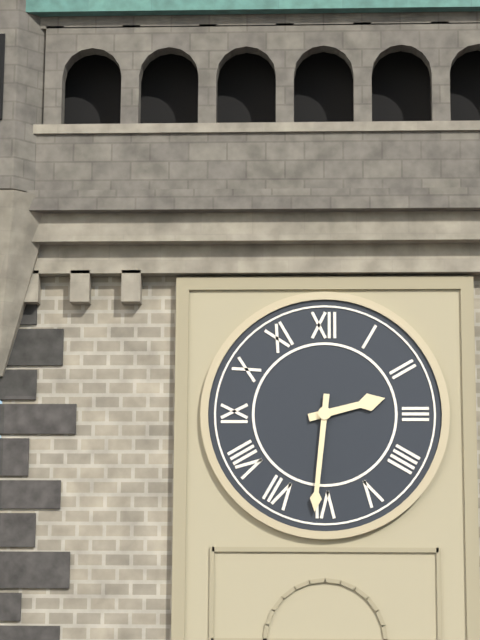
2:31
